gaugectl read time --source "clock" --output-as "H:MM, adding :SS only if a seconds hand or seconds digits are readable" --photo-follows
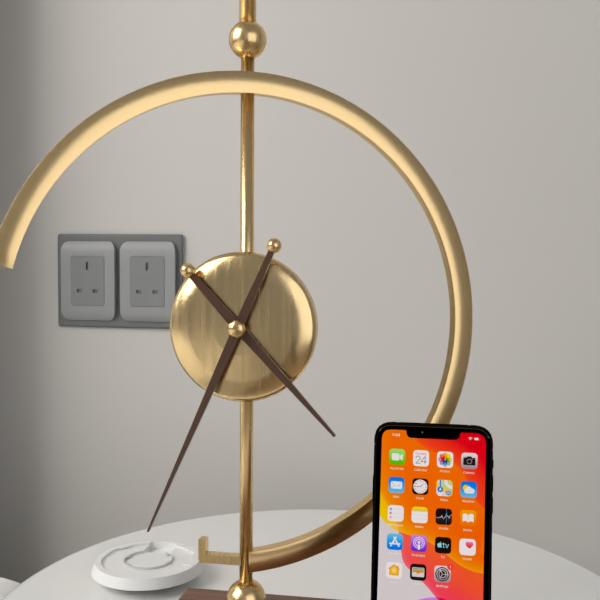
4:34
